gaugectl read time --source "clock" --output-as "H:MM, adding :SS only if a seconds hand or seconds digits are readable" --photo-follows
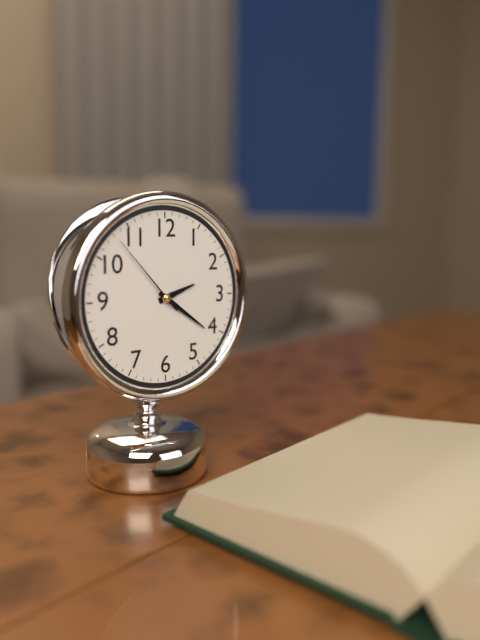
2:21:53
